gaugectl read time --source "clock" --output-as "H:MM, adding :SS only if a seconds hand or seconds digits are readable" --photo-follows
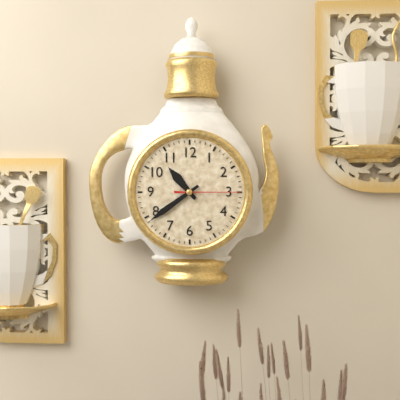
10:39:15
